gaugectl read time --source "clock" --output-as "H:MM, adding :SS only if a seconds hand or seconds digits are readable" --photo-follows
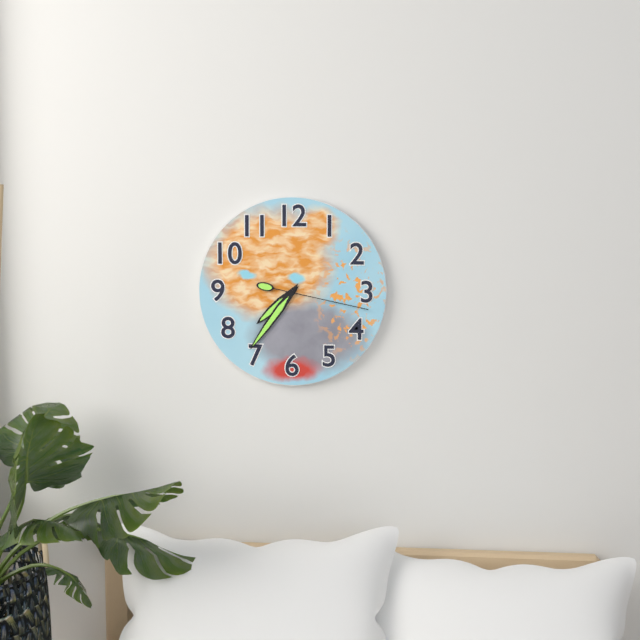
7:36:17
